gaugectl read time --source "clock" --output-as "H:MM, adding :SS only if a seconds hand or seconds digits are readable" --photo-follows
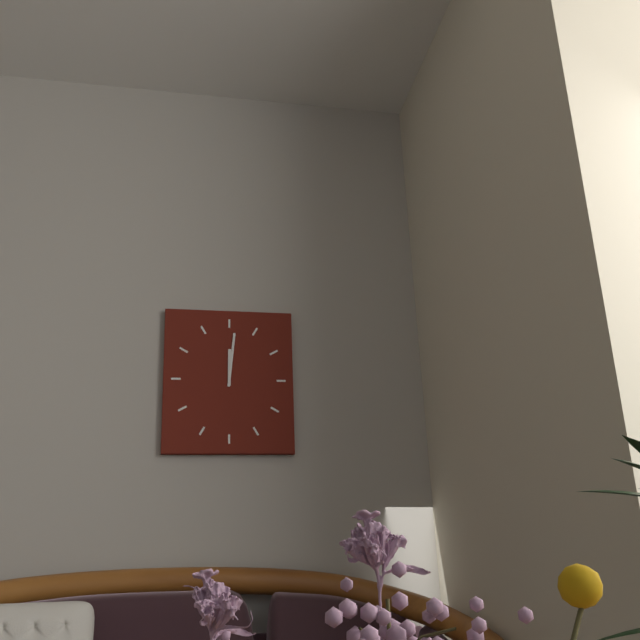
12:01
